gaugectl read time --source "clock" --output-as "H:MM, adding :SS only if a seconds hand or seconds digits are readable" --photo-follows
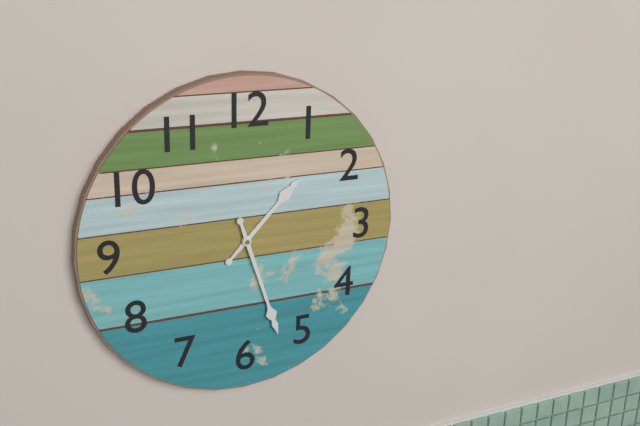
1:27
